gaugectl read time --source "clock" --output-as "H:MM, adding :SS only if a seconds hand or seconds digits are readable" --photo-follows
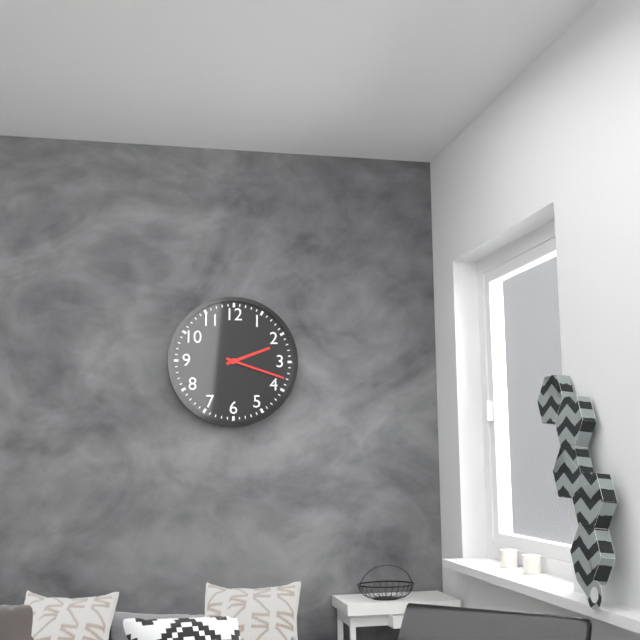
2:18
